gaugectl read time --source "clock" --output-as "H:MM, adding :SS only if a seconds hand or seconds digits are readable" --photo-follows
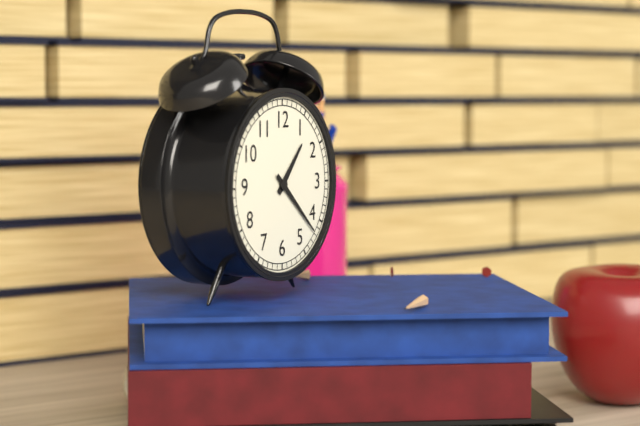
1:22
